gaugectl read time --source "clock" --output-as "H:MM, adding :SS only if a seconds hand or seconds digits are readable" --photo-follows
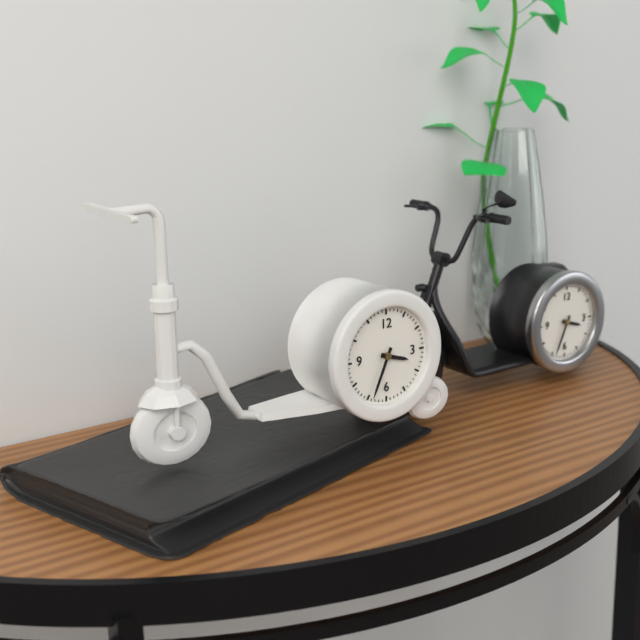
3:34
